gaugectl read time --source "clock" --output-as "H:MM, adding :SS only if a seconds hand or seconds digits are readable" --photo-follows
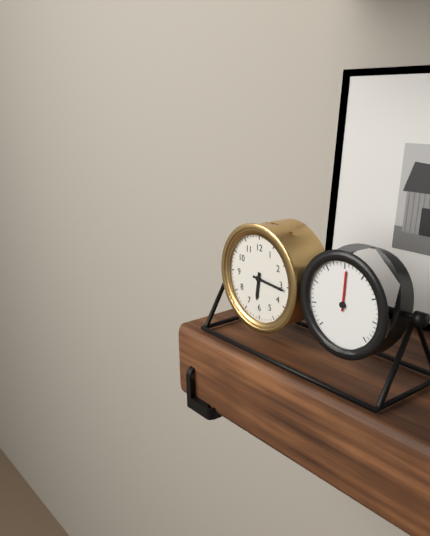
6:16
